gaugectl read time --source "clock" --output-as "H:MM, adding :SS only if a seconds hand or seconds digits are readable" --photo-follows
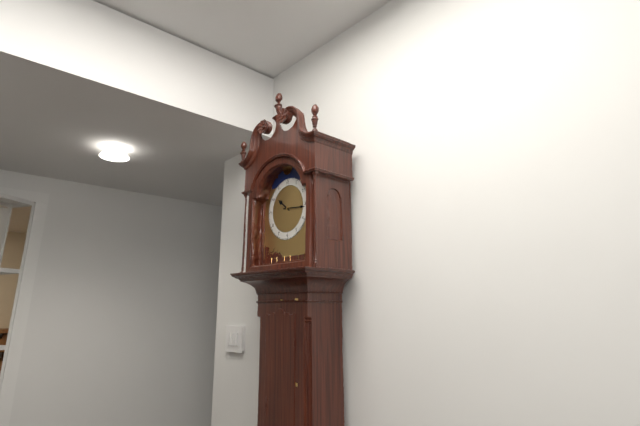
10:16
